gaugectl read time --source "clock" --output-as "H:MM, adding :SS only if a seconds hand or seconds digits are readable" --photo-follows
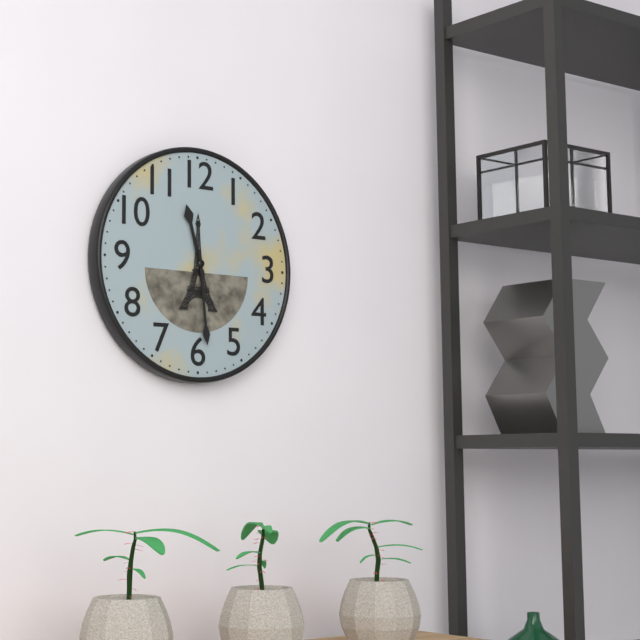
11:29
